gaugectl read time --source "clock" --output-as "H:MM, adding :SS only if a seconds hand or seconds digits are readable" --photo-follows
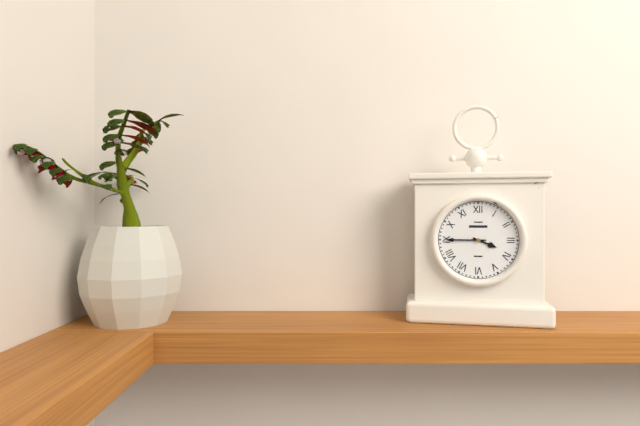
3:45
